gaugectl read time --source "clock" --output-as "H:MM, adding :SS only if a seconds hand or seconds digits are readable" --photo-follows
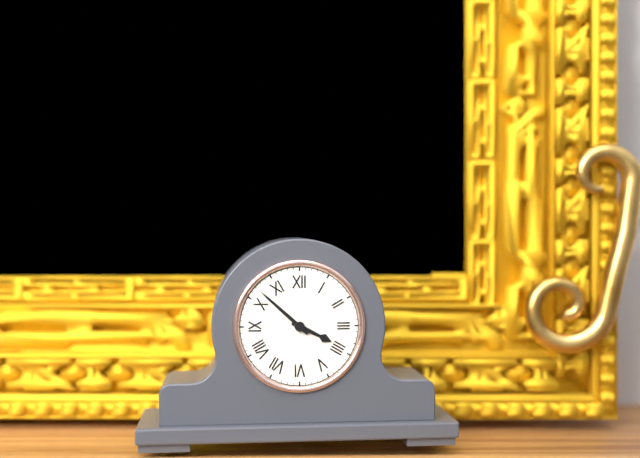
3:52
